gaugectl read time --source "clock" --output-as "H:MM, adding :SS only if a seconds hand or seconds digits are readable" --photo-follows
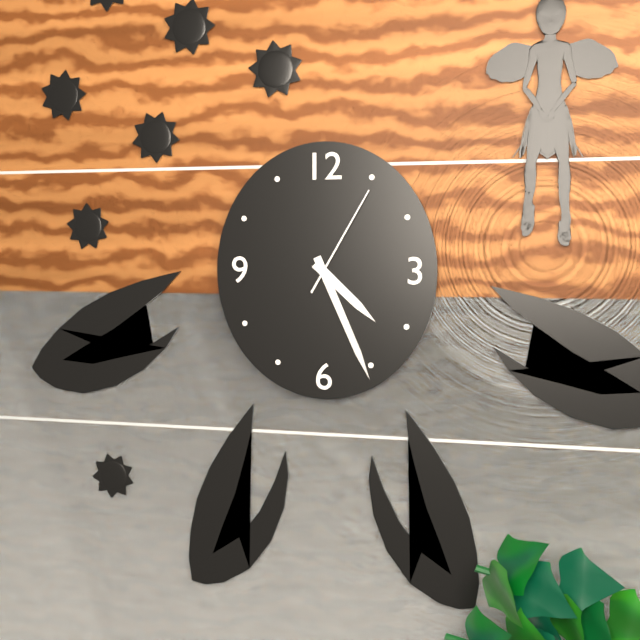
4:26:05
